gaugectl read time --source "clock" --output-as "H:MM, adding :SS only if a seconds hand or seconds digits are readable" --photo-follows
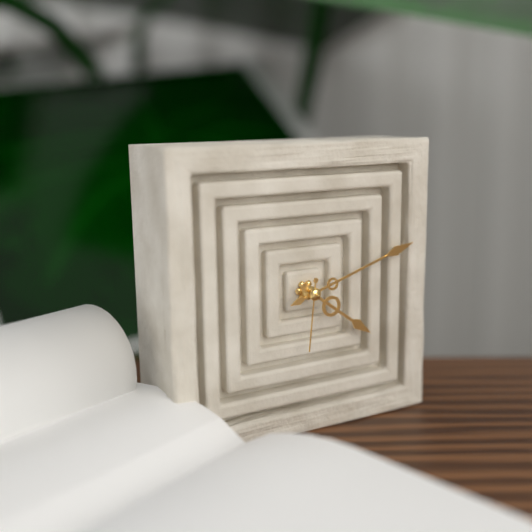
4:12:31
